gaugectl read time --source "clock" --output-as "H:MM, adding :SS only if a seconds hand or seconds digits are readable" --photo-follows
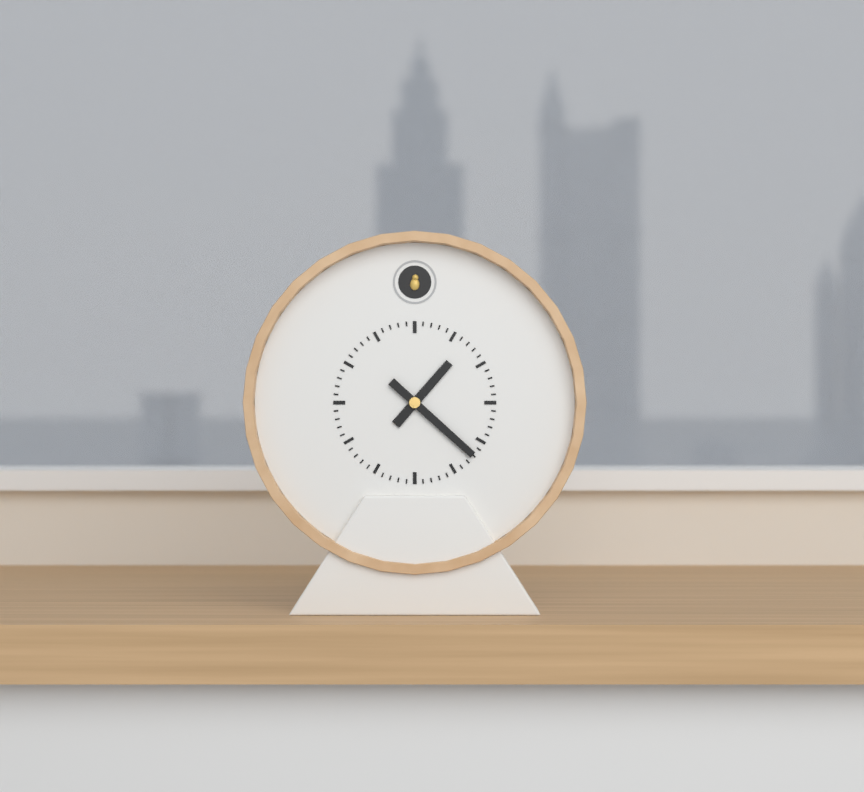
1:22
